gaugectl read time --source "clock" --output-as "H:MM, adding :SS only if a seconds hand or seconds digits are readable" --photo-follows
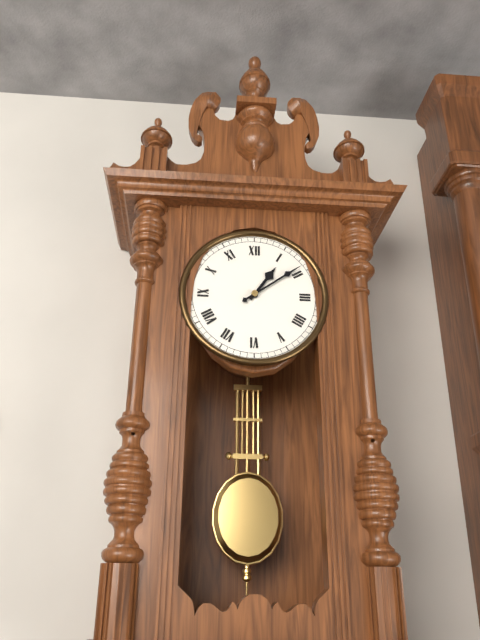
1:09
